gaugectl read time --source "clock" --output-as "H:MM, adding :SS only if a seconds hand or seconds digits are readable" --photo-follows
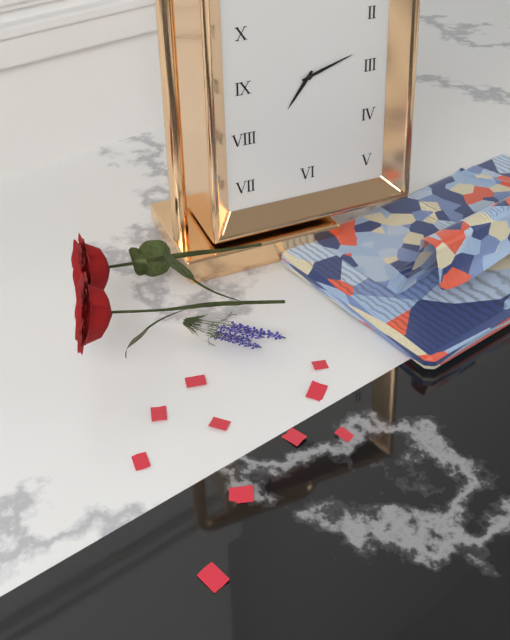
7:12
